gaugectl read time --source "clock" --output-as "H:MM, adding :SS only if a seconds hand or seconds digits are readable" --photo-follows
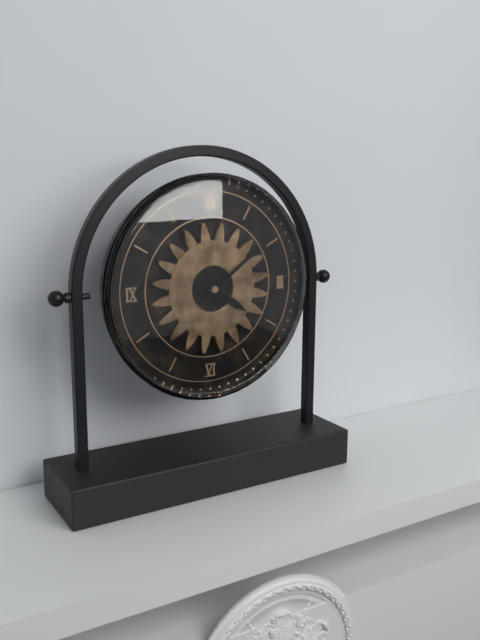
4:09
